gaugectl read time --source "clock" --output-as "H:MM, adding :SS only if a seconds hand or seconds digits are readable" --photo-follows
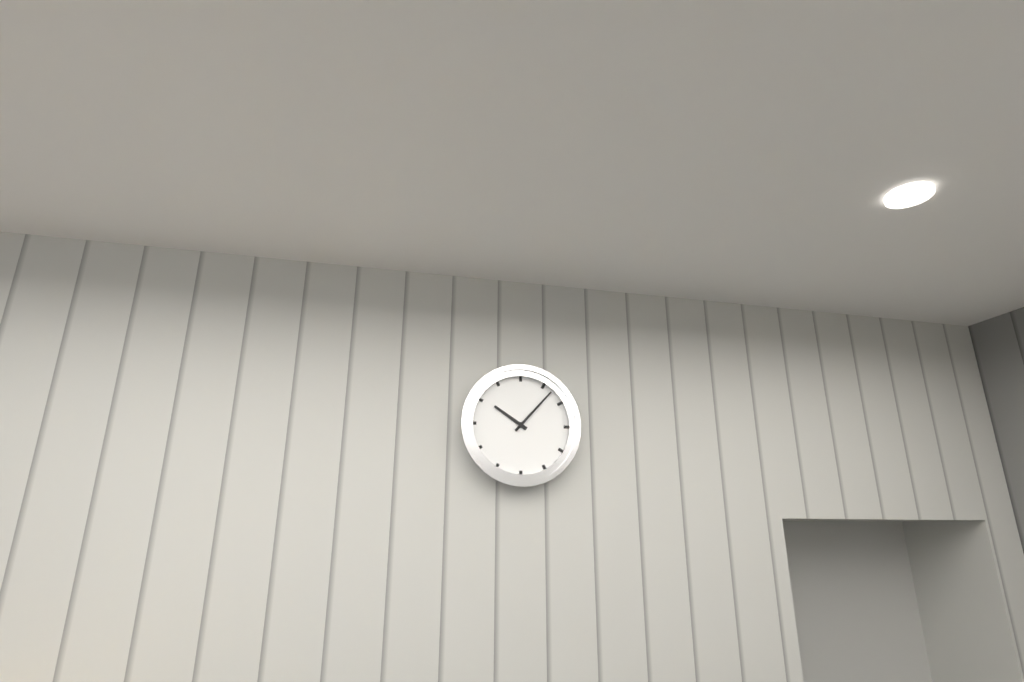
10:07
